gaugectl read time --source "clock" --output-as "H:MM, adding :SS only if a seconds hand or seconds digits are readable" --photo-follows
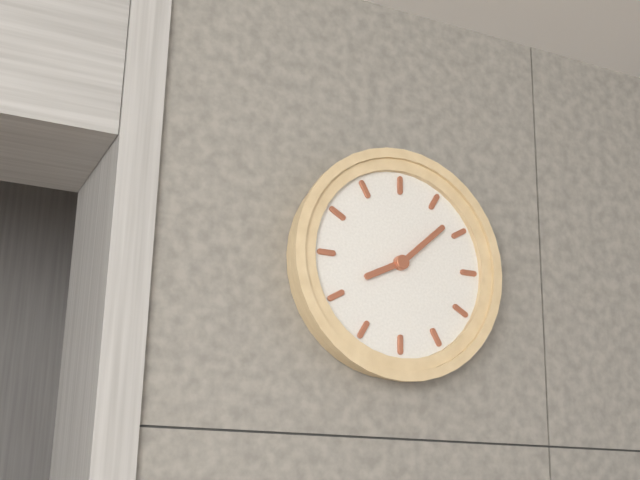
8:08
